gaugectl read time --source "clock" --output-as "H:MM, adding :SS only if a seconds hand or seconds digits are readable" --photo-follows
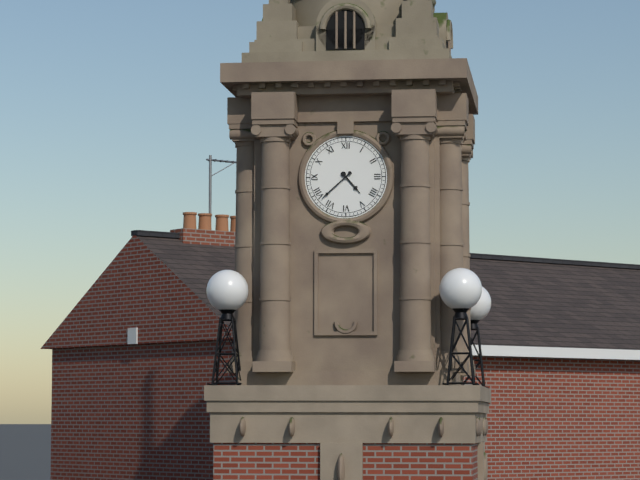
4:38
